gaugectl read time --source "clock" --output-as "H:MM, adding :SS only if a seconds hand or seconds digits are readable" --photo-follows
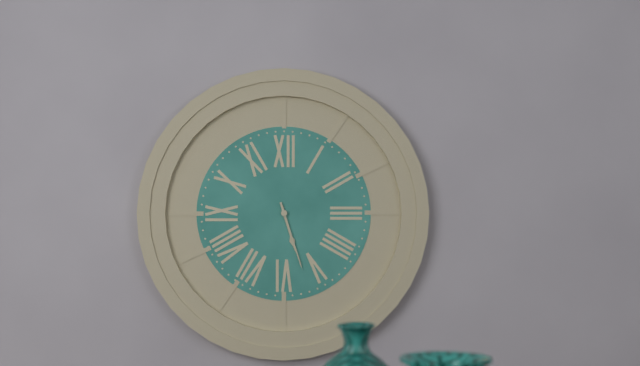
5:27
